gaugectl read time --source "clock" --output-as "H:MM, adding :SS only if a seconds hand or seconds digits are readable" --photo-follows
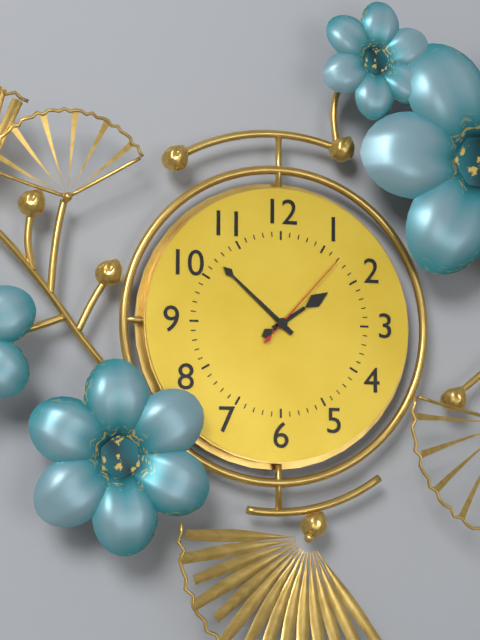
1:52:07
